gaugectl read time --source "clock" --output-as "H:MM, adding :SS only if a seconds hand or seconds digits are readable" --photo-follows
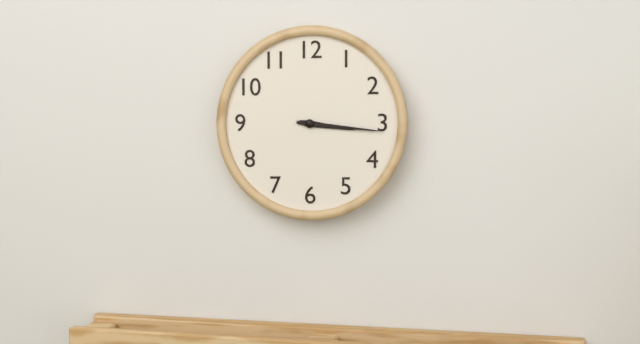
3:16
